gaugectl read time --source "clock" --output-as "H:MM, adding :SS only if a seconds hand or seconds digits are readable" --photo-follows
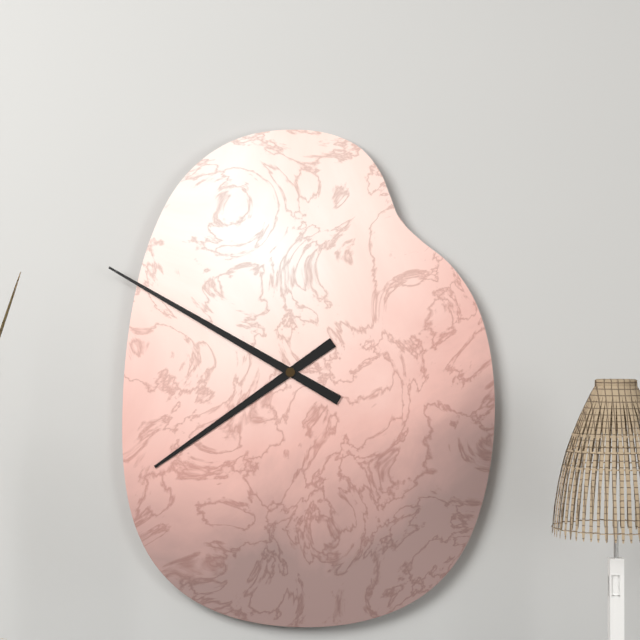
7:50
